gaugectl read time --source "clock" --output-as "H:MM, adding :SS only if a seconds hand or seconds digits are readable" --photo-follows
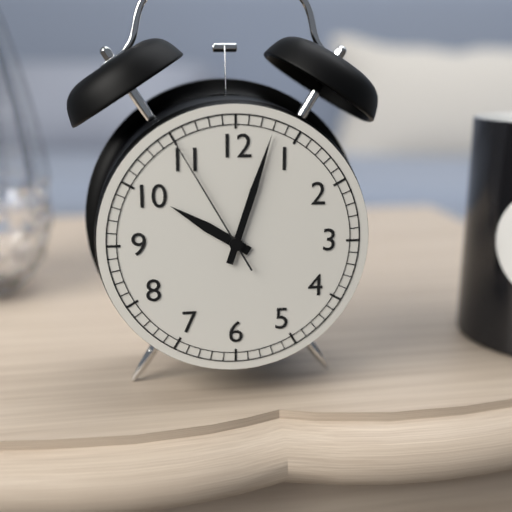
10:03:55
